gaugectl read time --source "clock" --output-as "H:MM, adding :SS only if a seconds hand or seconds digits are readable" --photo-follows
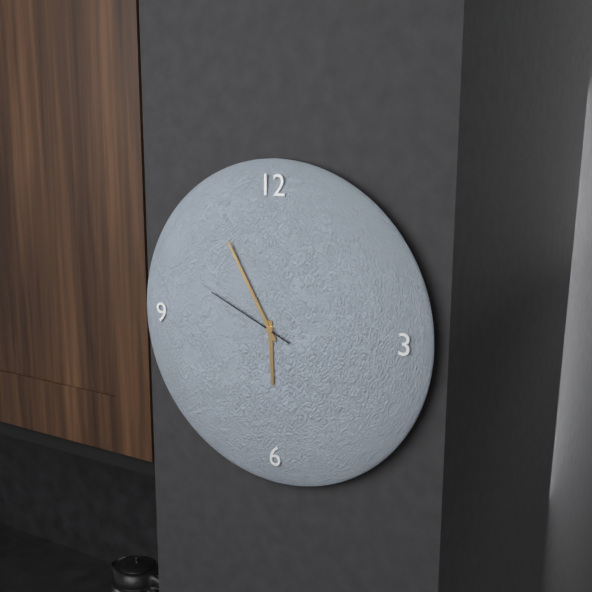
5:55:49
